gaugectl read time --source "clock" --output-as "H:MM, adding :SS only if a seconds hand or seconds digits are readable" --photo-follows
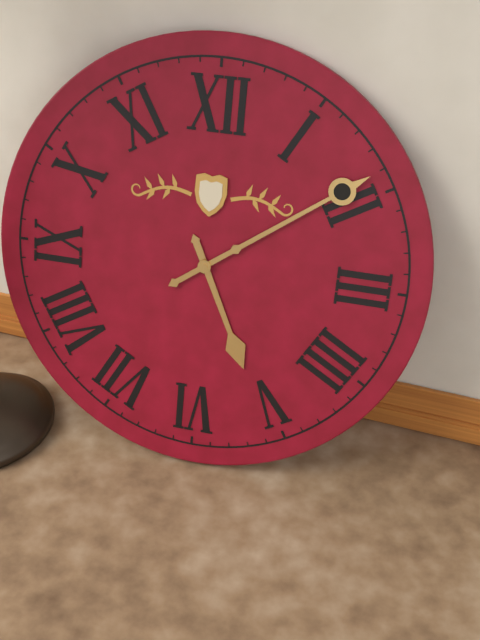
5:09
